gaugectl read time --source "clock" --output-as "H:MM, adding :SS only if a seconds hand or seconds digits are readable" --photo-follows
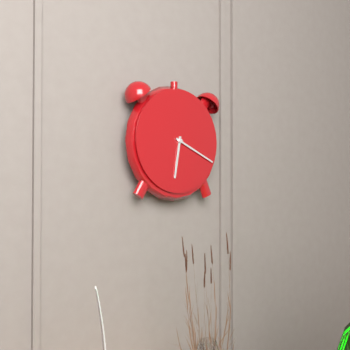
6:19
